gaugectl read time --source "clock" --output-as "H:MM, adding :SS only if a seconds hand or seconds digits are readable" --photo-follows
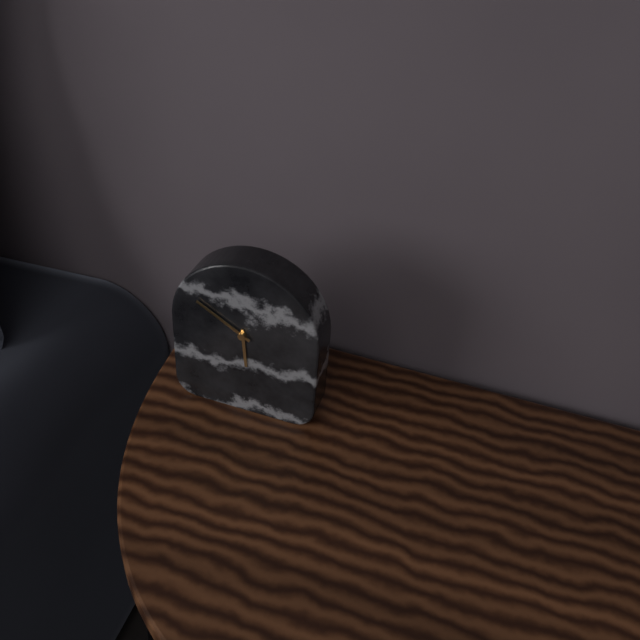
5:50
